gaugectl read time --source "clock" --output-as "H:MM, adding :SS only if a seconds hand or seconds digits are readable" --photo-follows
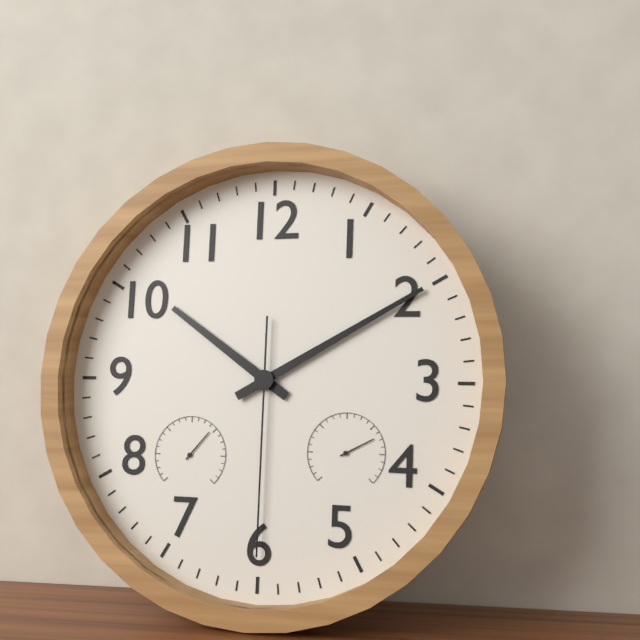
10:10:30
